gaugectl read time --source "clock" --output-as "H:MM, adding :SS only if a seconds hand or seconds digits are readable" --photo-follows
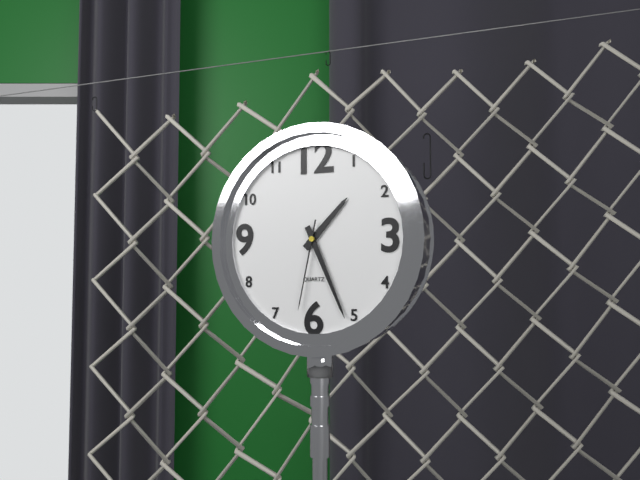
1:26:32
